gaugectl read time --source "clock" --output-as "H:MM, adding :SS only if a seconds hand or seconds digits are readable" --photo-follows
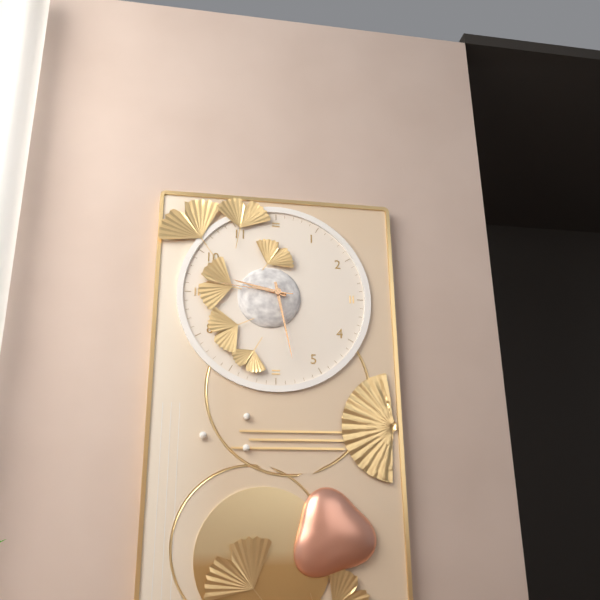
9:28:46
